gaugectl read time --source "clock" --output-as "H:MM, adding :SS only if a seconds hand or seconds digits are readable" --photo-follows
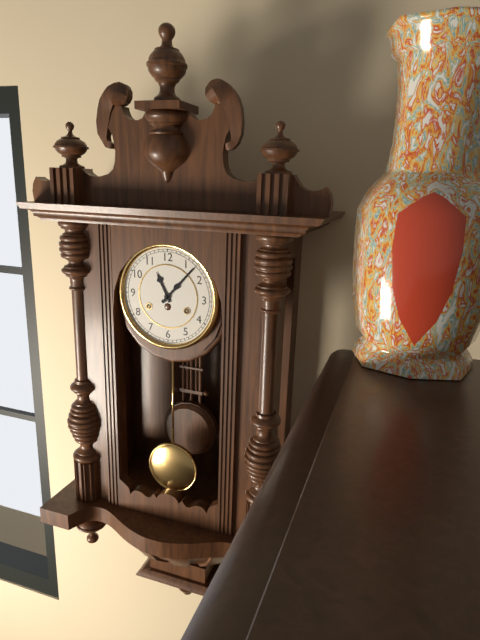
11:07
